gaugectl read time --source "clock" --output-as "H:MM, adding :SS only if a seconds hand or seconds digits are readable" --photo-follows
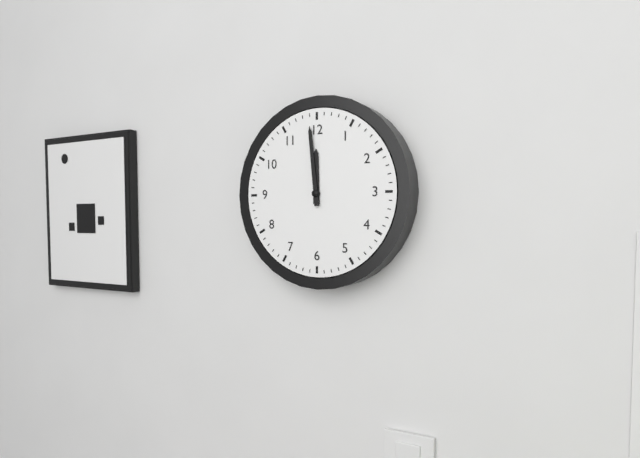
11:59
